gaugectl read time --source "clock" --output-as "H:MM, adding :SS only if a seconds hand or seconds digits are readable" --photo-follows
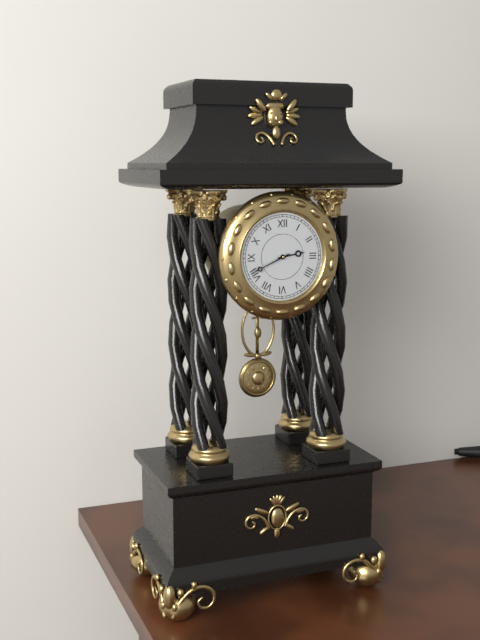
2:41
